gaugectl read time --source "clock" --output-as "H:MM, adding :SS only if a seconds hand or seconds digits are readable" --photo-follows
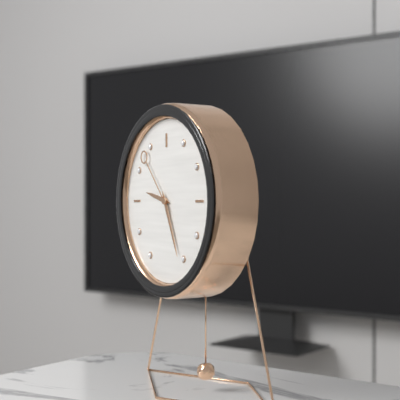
9:26:53
